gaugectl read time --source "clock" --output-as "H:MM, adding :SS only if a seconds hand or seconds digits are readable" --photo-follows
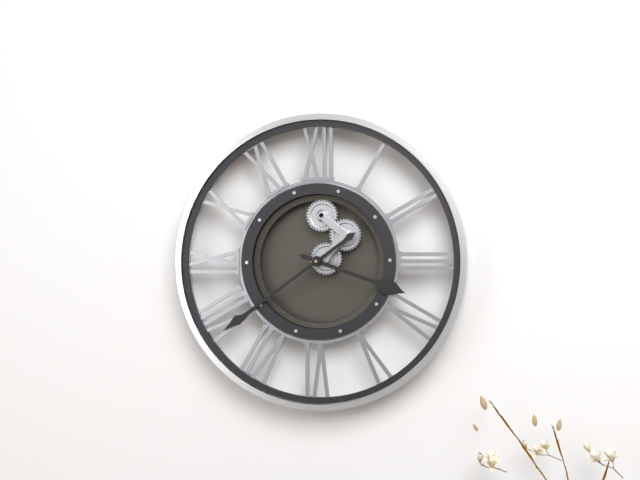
3:39
